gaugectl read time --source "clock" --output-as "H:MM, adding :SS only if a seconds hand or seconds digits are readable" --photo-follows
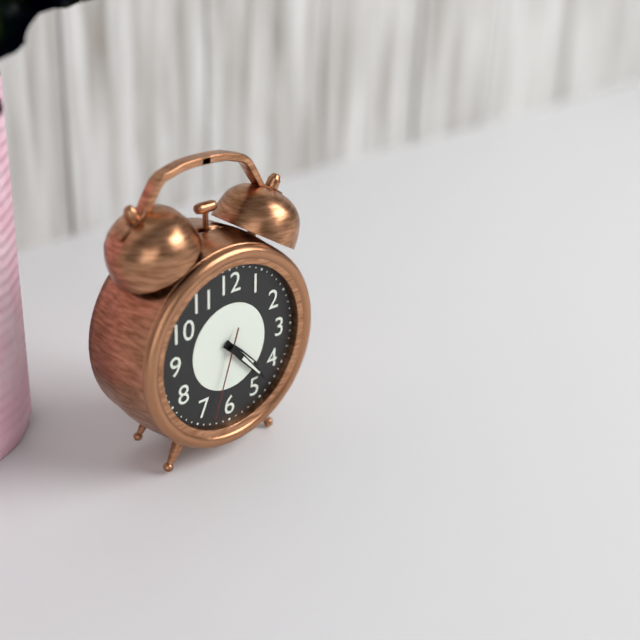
4:23:33
